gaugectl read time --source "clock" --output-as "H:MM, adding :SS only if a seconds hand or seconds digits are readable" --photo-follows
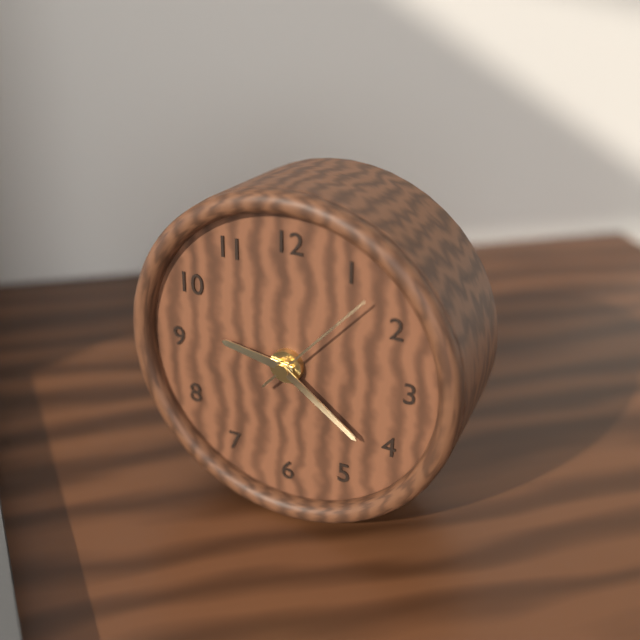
9:21:07
